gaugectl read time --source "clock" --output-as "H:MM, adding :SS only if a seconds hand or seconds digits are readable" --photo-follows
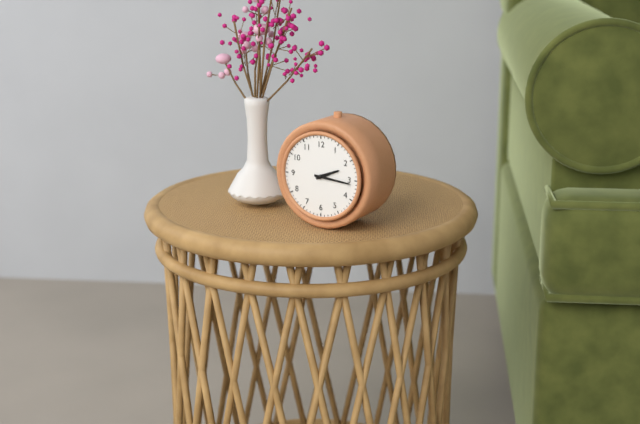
2:16
